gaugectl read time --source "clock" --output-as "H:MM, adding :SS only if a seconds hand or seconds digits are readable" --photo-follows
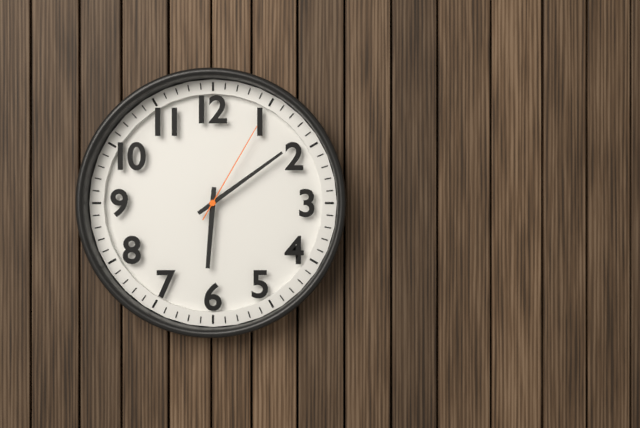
6:09:05
